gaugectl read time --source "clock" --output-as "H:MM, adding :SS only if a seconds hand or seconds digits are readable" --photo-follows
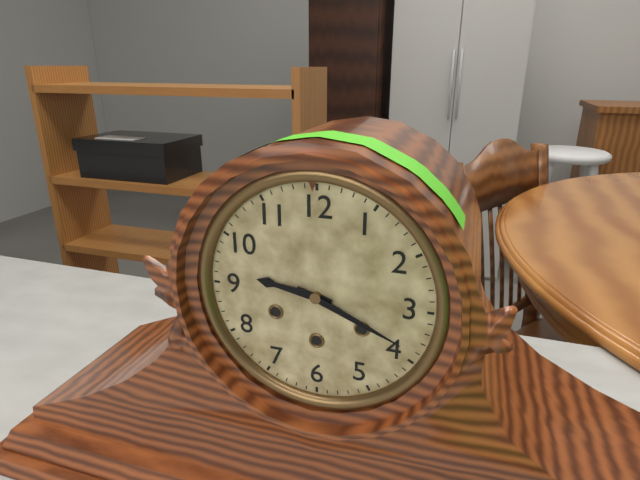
9:19
